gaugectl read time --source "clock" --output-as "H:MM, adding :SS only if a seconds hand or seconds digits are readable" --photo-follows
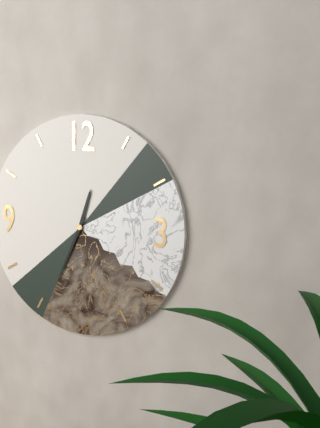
12:34
